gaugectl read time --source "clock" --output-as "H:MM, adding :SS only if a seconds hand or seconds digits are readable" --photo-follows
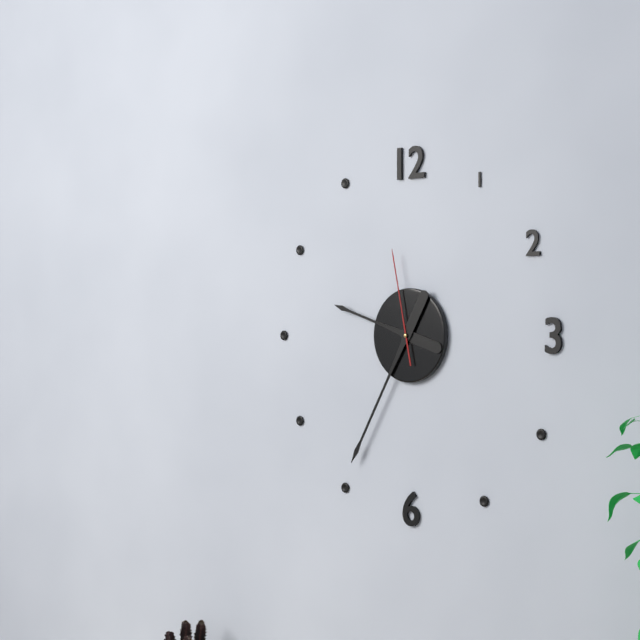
9:35:58
